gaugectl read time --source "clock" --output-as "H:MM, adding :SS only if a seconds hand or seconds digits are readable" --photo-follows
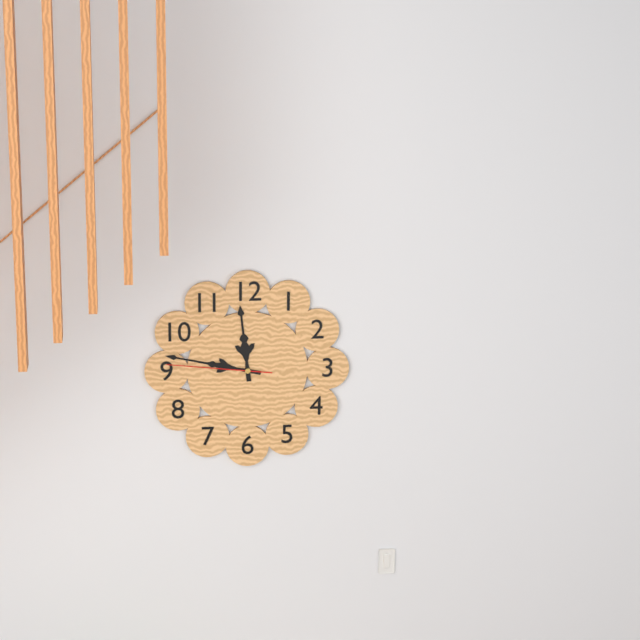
11:47:46
